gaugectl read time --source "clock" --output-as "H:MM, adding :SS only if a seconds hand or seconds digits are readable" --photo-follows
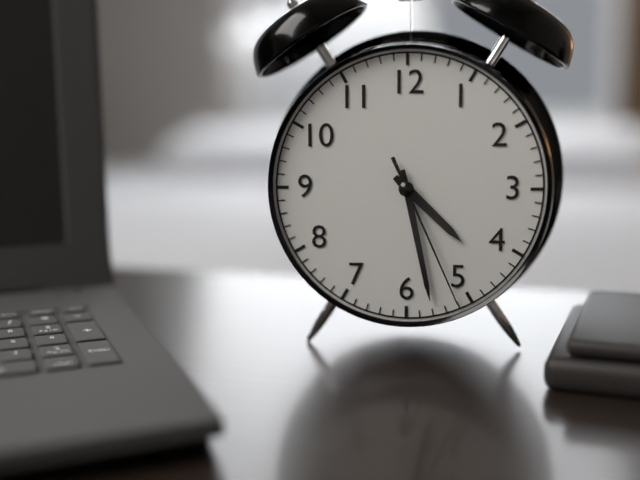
4:28:26
